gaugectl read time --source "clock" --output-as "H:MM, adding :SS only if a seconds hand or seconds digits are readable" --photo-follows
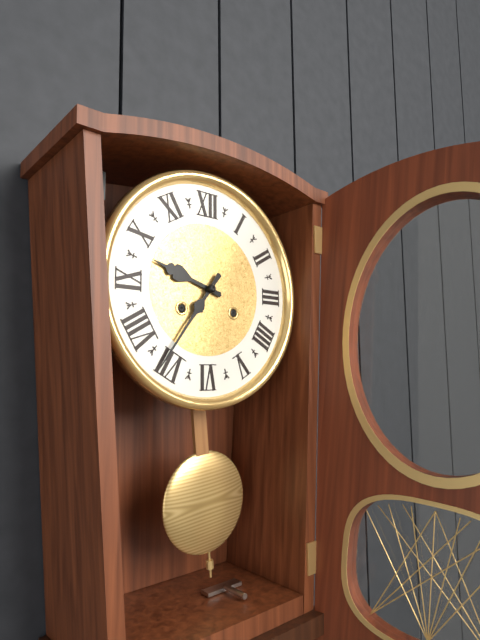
9:36
